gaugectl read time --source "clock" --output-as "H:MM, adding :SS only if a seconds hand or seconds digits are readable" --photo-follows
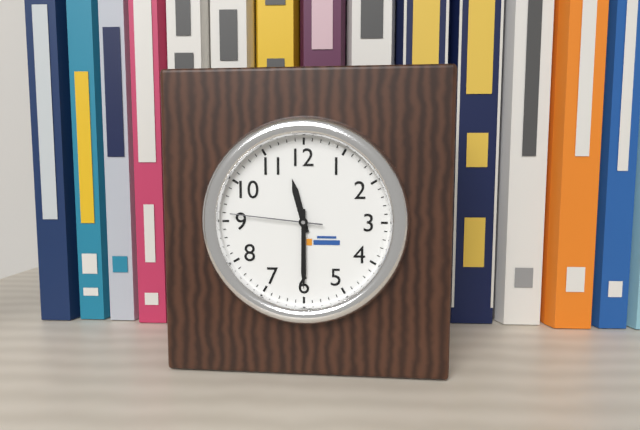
11:30:46
